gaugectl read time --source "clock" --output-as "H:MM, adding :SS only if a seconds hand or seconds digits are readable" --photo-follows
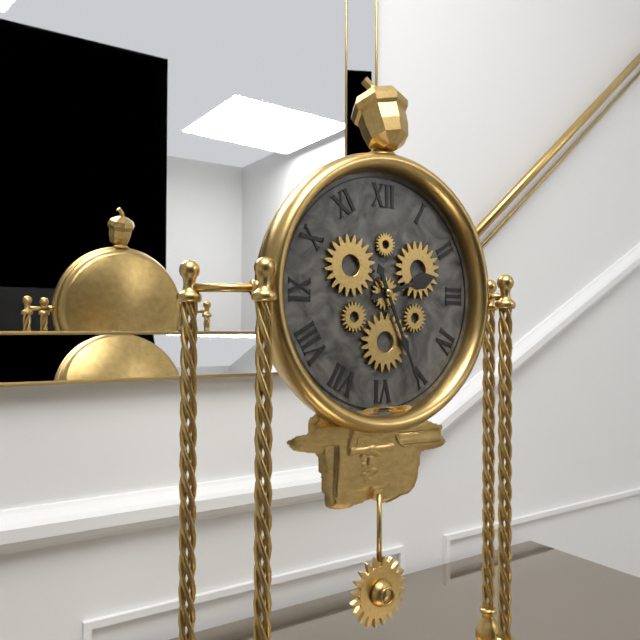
2:26
